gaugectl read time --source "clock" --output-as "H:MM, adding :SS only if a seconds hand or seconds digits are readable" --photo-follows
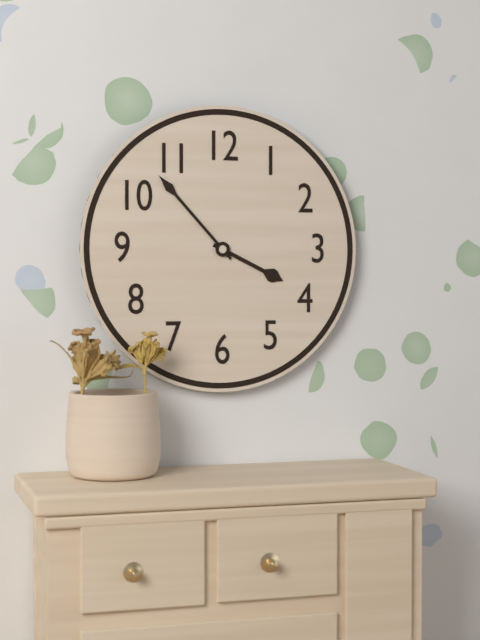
3:53
